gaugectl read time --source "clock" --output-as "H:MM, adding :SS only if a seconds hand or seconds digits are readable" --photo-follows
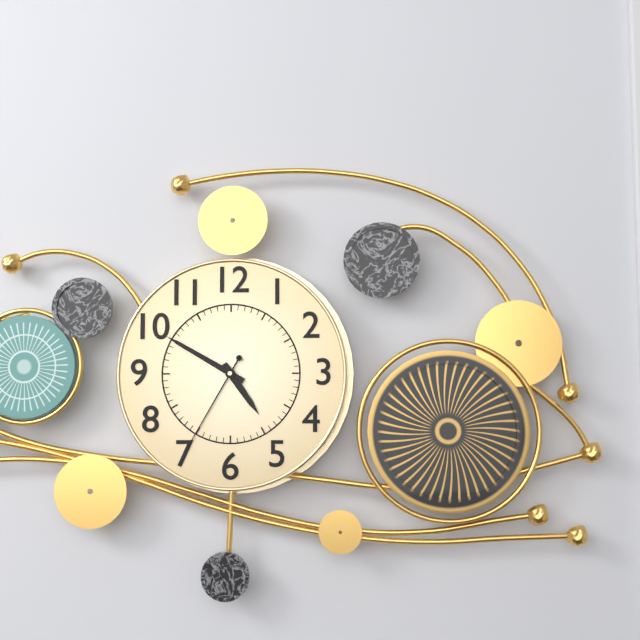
4:50:35
